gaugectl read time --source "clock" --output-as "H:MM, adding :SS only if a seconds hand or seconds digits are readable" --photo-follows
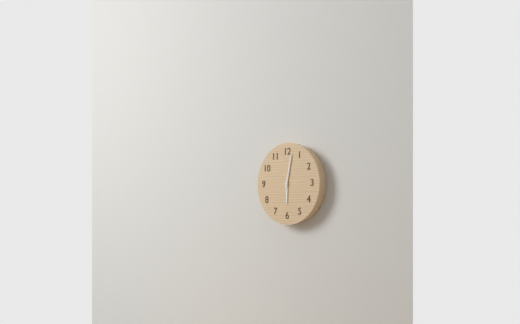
6:02
